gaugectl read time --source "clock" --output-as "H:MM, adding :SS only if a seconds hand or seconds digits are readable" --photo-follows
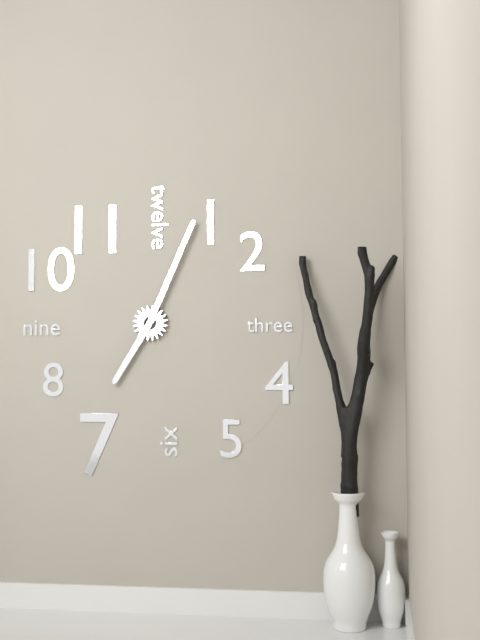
7:04
